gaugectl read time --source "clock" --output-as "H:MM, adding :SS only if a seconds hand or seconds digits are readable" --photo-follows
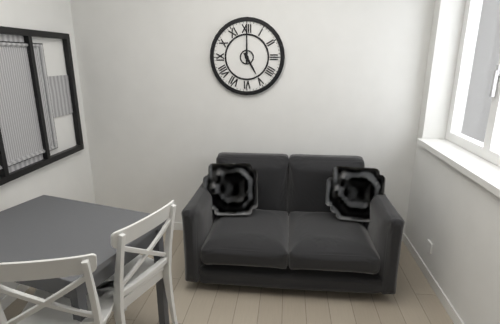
5:00
